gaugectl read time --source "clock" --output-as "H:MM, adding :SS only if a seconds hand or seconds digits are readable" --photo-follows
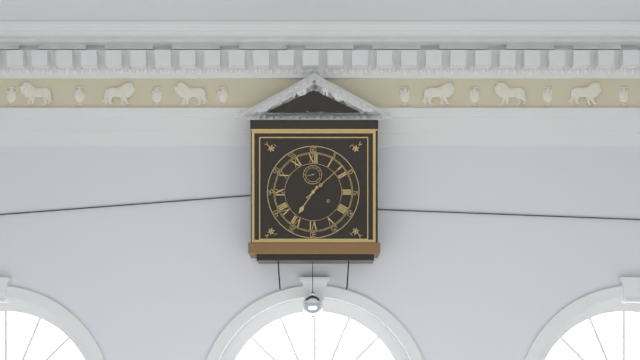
7:08
